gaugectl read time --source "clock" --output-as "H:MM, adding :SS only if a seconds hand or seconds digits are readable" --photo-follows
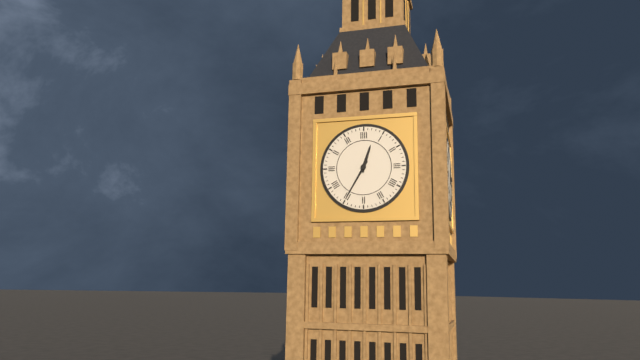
12:35
